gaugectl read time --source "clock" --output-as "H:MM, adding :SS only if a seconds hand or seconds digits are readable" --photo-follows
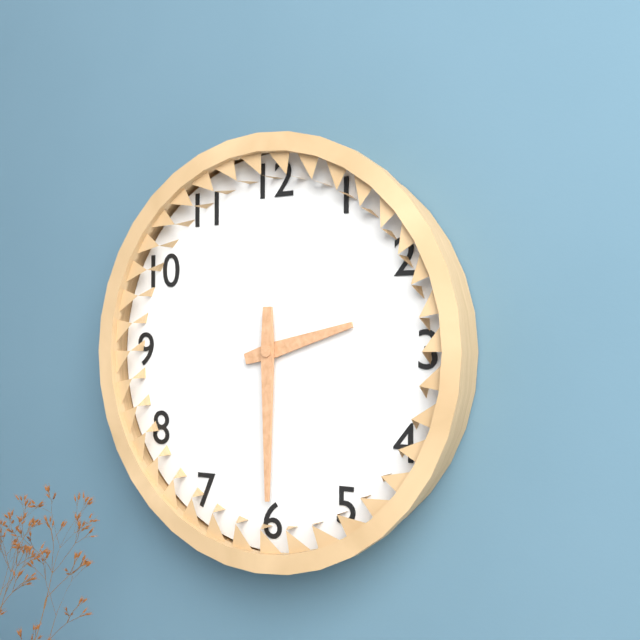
2:30
